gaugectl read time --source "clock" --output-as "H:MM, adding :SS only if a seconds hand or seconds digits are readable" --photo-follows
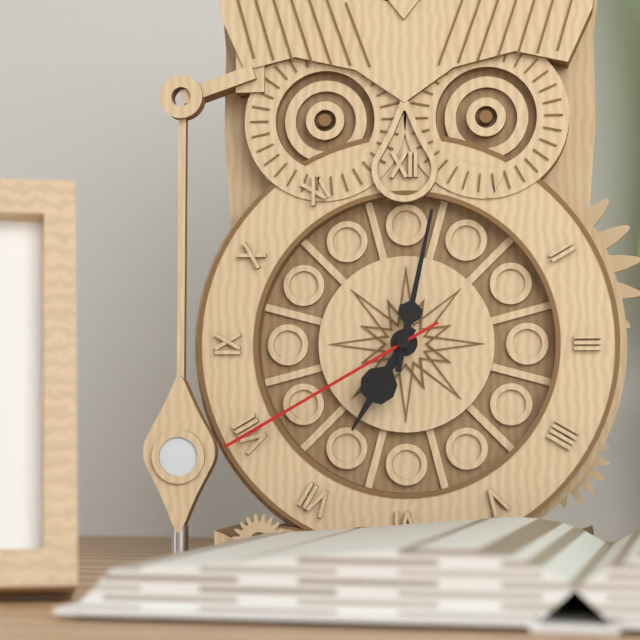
7:02:40
